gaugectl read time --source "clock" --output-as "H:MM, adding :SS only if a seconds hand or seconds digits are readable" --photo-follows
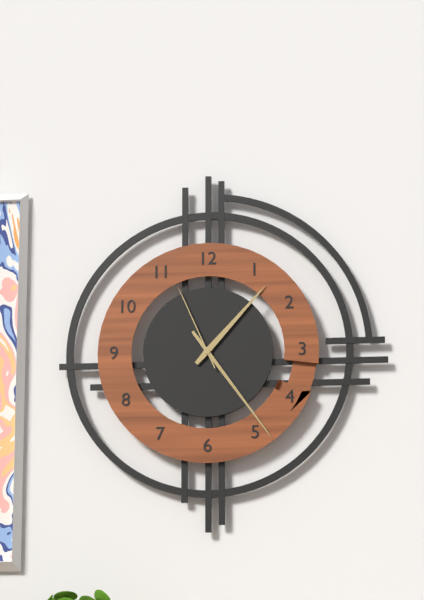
1:24:56
